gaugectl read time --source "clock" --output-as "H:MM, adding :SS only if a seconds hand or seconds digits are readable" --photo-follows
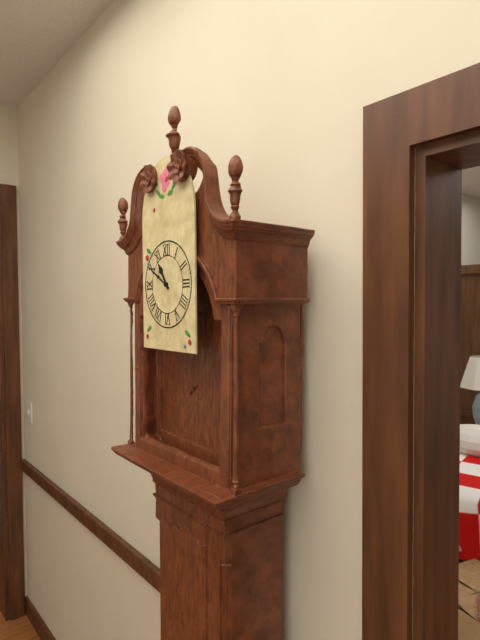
10:50
